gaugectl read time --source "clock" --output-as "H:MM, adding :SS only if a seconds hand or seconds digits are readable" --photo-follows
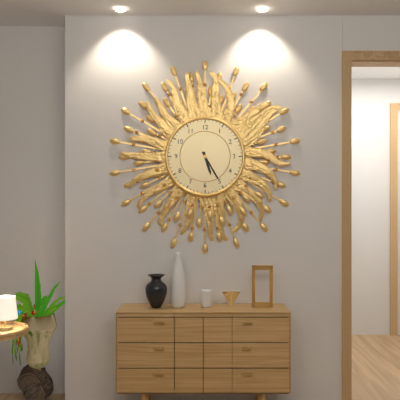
5:25
